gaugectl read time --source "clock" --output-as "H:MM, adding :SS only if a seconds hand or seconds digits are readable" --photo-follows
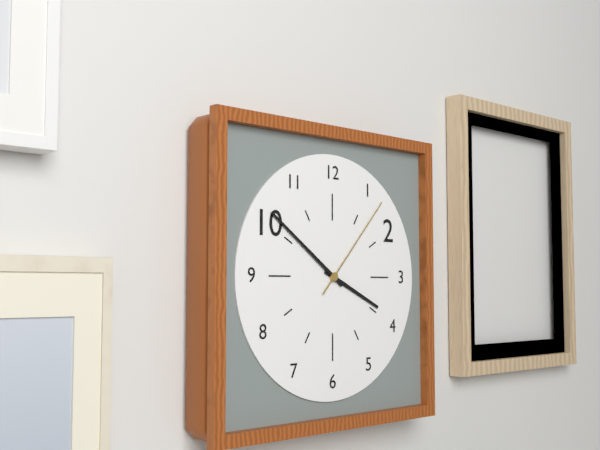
3:51:07
